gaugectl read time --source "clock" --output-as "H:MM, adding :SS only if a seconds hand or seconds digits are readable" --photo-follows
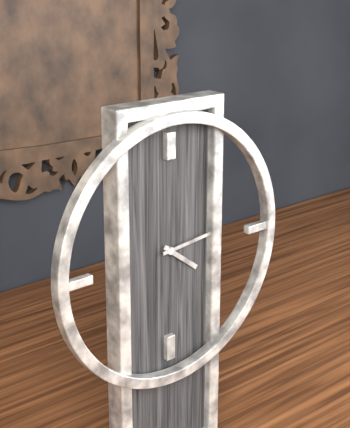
4:14
